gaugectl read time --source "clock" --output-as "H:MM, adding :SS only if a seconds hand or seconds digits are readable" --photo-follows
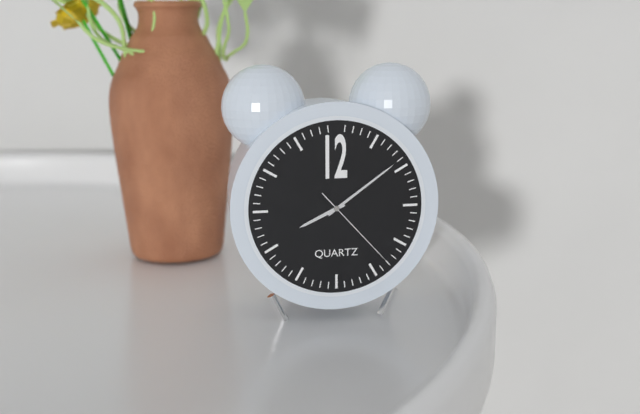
8:09:23
